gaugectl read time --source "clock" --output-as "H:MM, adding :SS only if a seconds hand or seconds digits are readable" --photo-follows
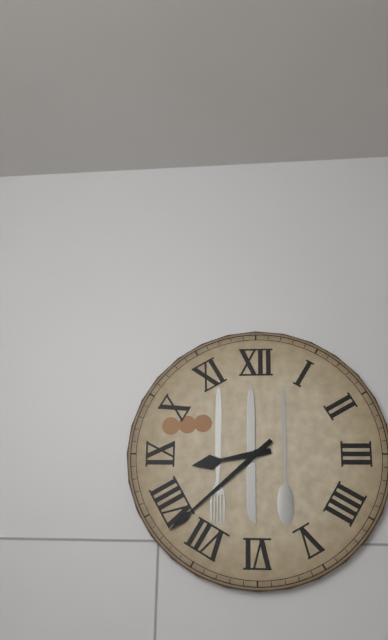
8:38
